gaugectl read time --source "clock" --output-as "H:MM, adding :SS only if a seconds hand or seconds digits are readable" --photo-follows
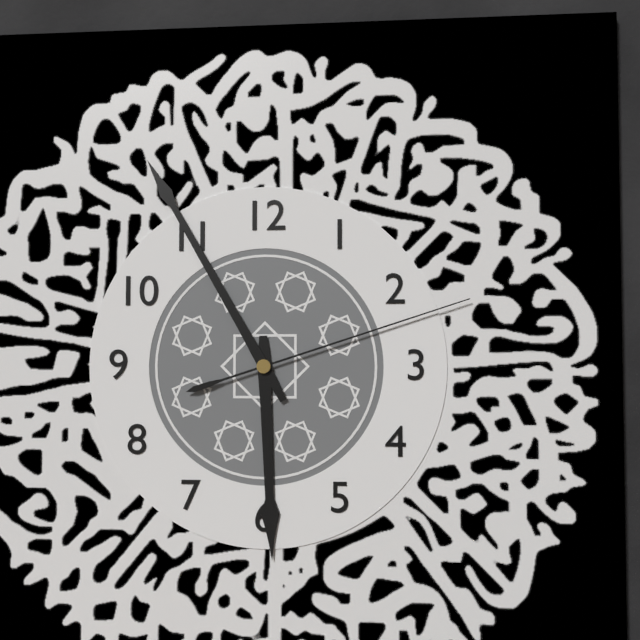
5:55:12
